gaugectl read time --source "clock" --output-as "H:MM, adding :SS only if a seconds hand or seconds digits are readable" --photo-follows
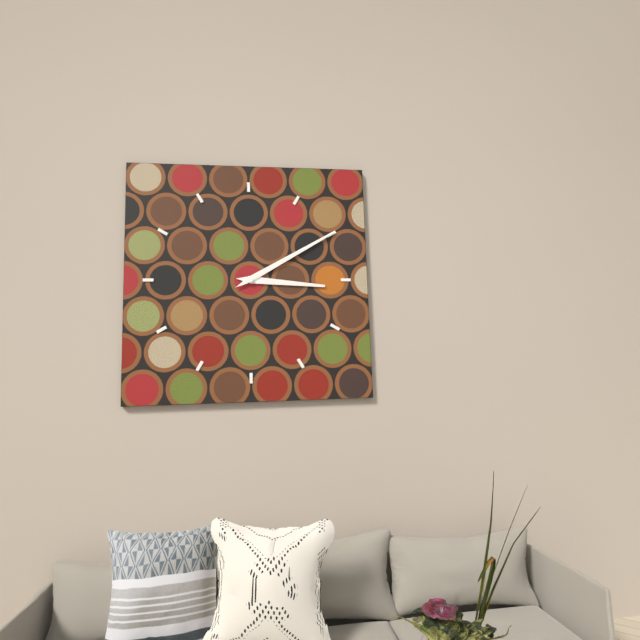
3:10
